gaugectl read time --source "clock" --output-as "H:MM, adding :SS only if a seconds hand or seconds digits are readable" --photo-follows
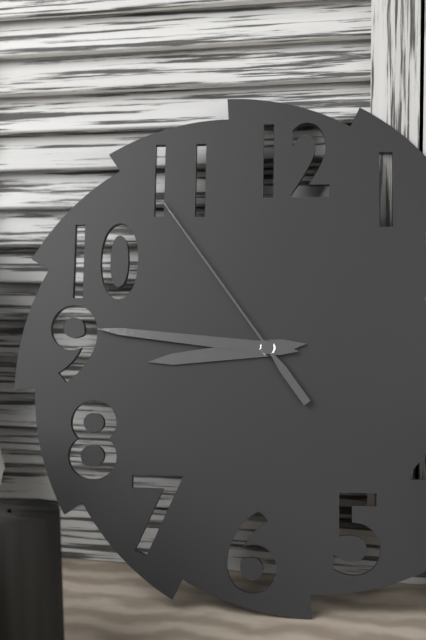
8:46:54
